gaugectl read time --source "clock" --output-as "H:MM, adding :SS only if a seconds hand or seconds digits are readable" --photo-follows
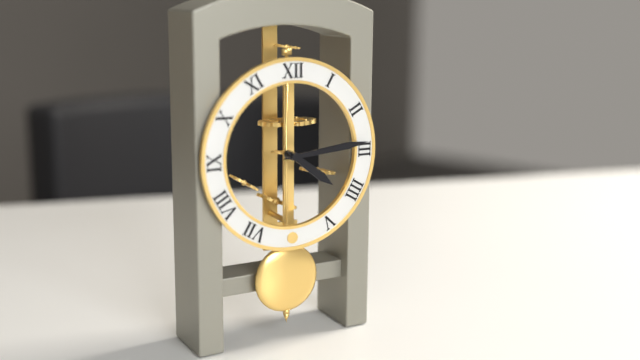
4:14
